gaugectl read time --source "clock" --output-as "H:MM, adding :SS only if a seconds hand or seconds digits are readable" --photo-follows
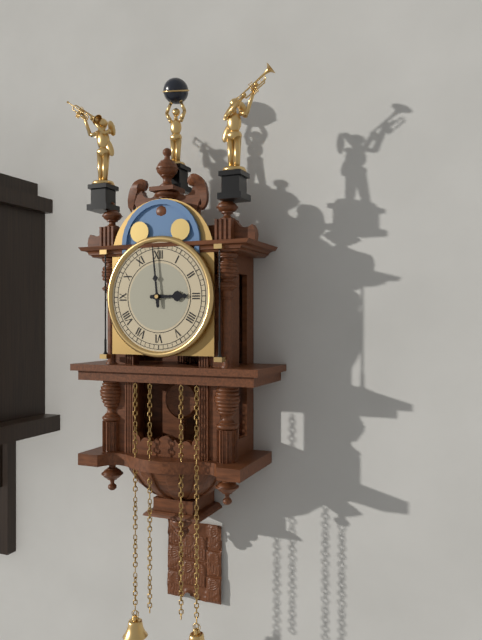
2:59
